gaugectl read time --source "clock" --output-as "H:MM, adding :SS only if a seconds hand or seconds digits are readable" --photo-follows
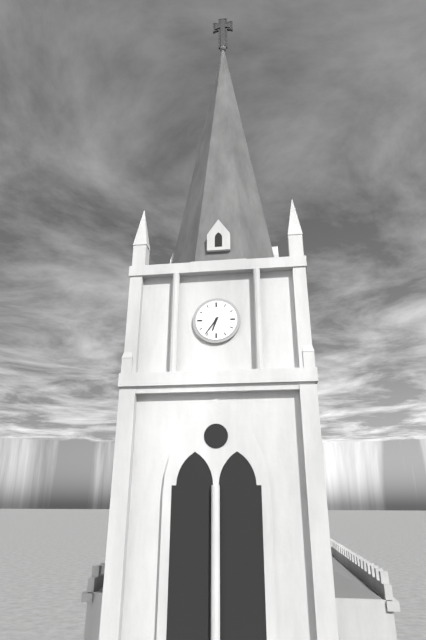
6:36
